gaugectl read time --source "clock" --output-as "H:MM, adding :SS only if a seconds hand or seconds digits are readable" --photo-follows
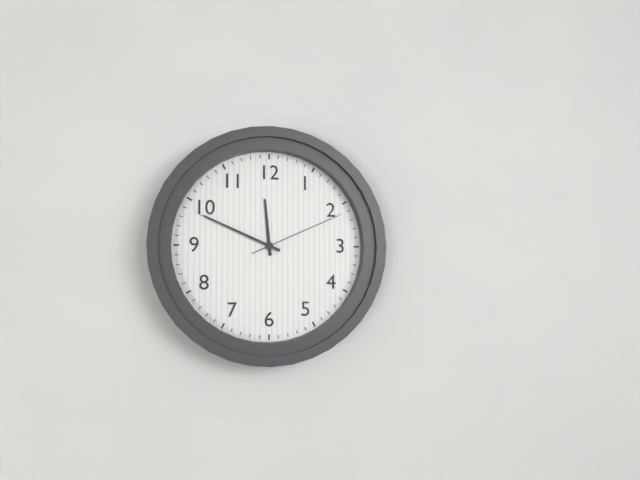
11:49:11
